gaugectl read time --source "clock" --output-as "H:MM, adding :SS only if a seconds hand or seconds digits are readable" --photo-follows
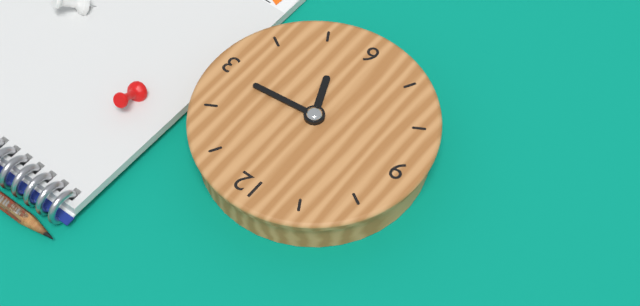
5:14
